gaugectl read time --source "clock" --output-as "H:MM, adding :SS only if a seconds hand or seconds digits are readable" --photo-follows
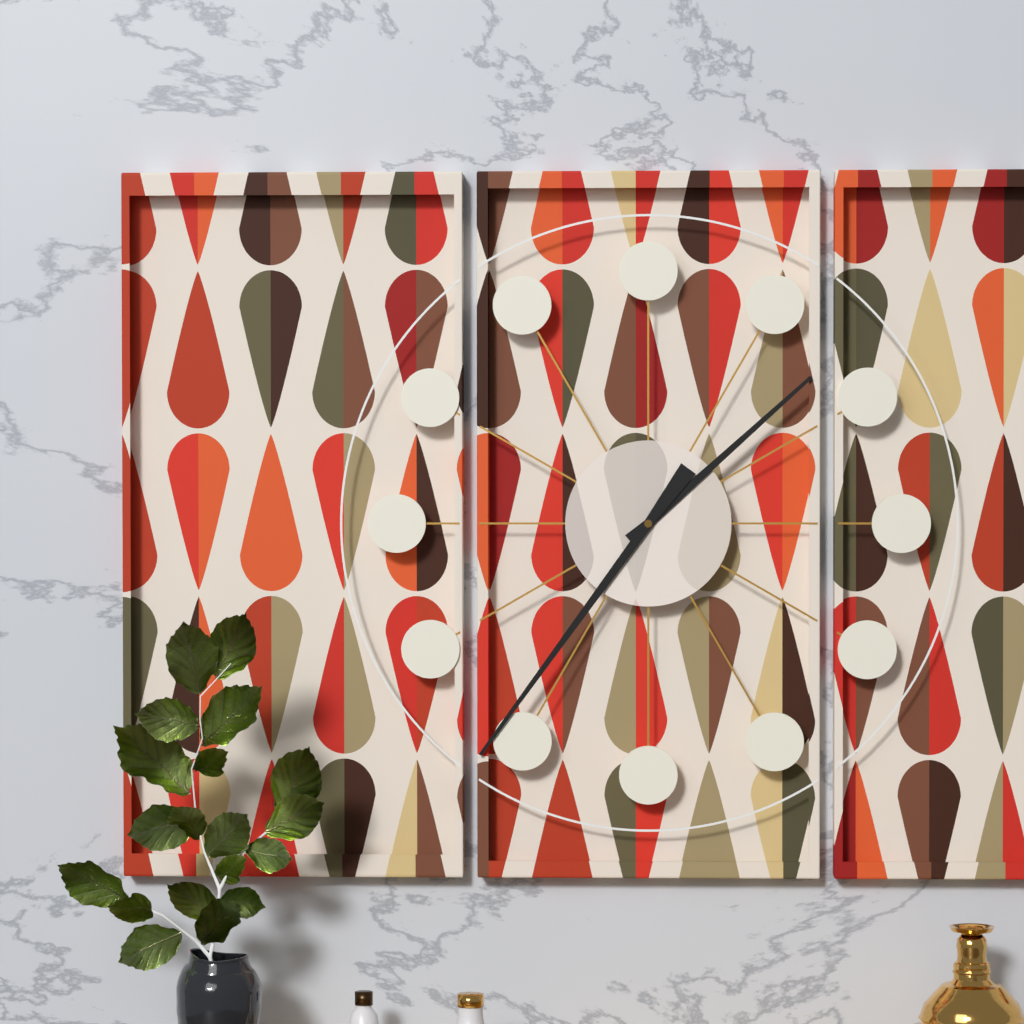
1:36
